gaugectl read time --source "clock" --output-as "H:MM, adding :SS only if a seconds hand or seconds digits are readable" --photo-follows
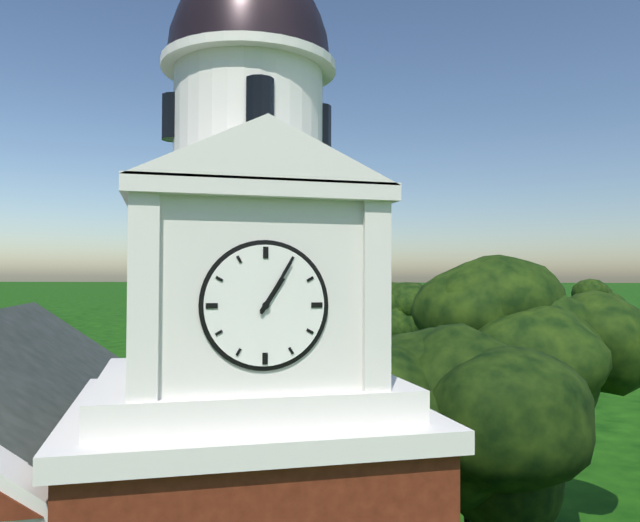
1:05
